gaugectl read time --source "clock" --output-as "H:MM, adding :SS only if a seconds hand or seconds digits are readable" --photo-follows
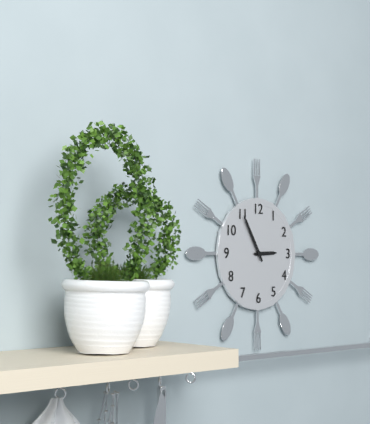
2:55
